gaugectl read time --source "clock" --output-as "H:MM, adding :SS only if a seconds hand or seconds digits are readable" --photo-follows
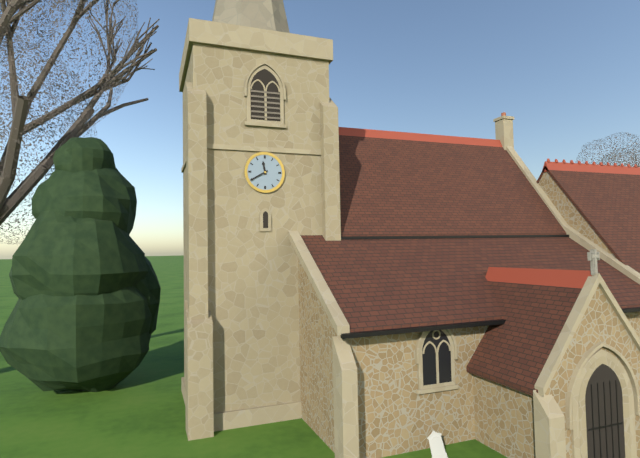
11:40
